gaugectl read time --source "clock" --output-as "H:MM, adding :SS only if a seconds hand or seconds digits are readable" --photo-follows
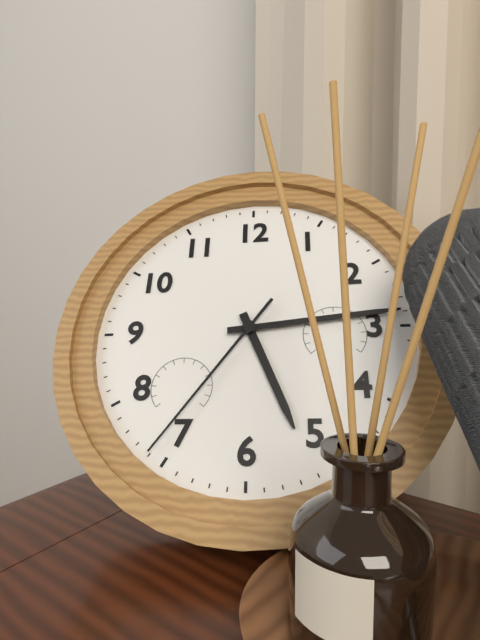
5:14:36
